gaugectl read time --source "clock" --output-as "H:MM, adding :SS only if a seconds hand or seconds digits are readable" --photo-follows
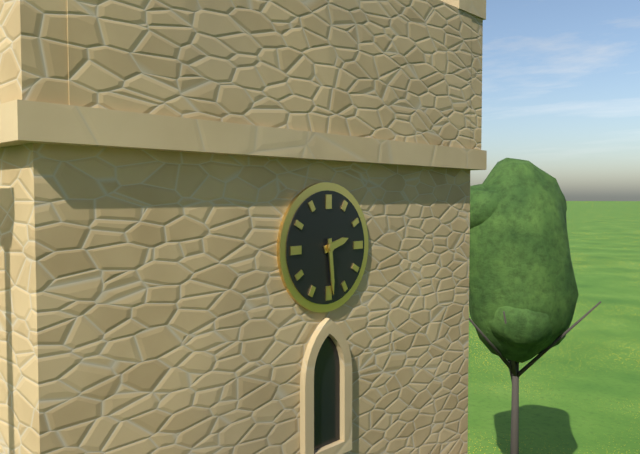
2:29
